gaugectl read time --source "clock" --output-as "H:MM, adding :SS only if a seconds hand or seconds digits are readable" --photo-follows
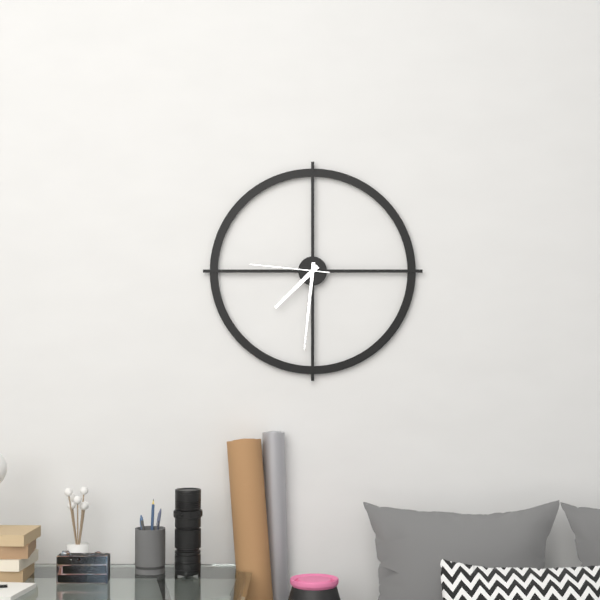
7:31:46
